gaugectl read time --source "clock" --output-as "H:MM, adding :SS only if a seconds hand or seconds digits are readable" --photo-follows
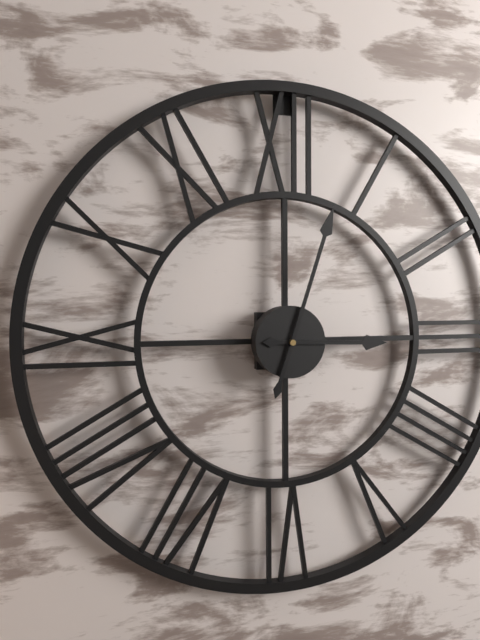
3:03
